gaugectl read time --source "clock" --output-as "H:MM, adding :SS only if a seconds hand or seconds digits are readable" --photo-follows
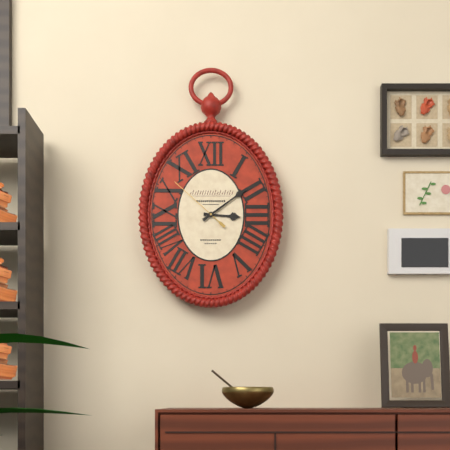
3:09:52
